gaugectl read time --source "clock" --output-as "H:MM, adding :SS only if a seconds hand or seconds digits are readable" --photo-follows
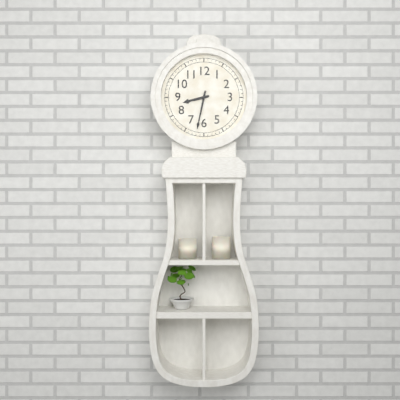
8:32
